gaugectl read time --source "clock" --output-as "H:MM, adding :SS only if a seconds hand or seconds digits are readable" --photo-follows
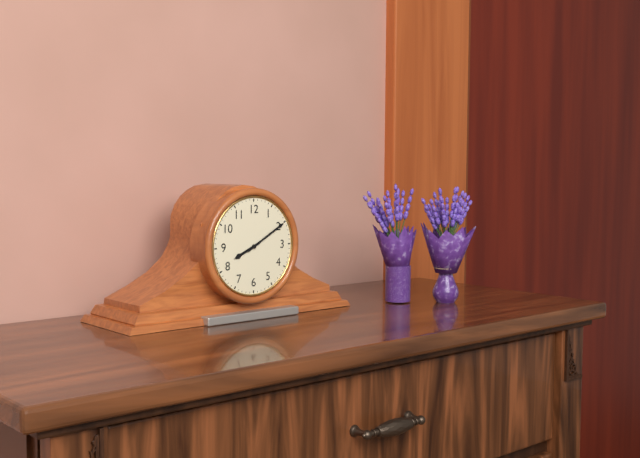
8:10
